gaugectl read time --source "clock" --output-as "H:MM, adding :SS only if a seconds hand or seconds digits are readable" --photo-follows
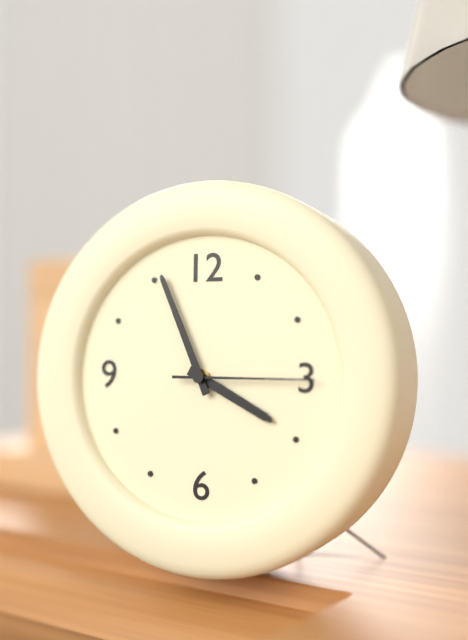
3:56:15
